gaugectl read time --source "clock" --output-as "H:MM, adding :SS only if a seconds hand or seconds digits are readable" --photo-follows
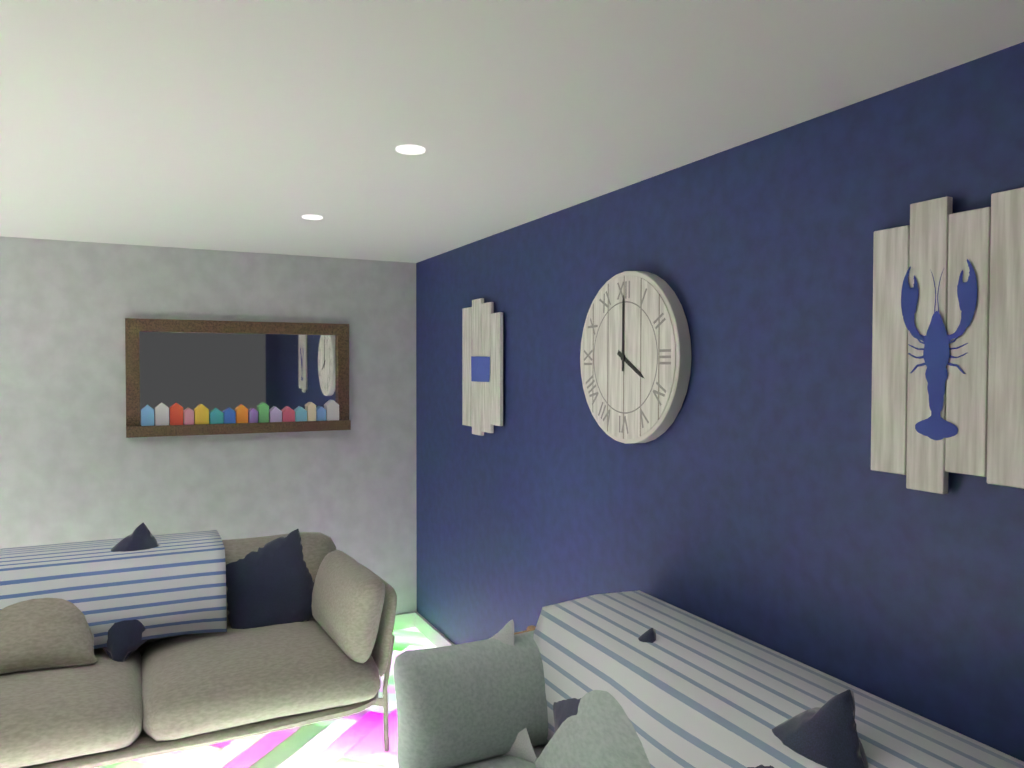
4:00
